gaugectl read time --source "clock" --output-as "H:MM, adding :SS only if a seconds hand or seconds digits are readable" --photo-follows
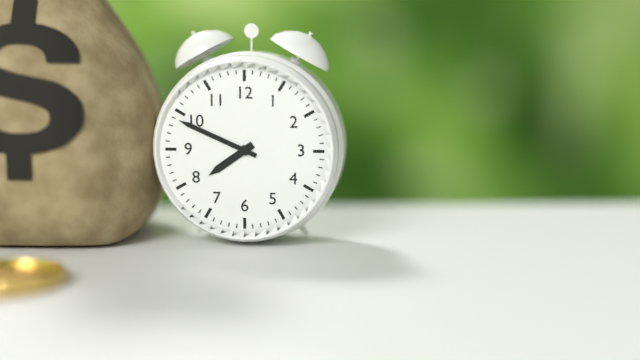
7:49
